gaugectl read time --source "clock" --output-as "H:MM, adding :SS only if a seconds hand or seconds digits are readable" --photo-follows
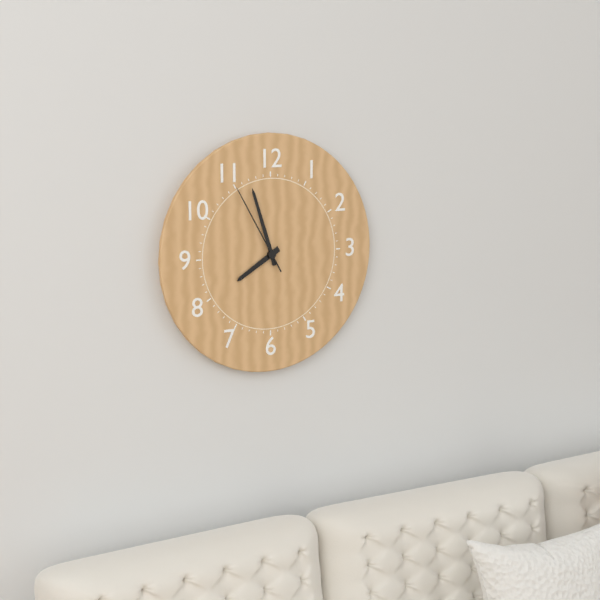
7:57:55
